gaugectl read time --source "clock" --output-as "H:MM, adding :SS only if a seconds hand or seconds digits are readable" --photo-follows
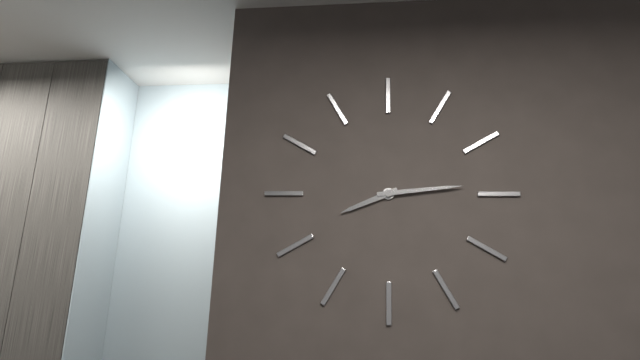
8:14
